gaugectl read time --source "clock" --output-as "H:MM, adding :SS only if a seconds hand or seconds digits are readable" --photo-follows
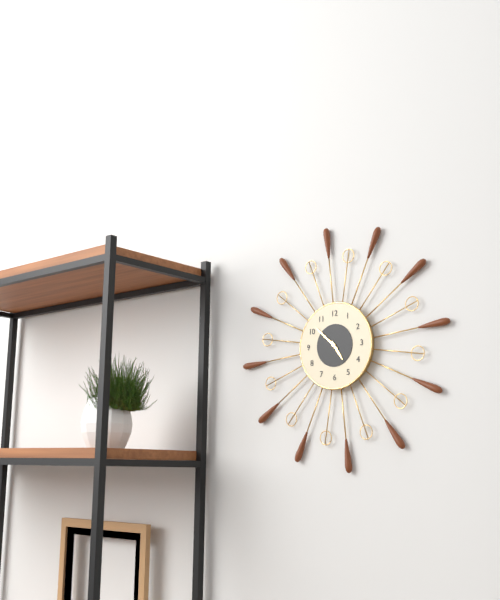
4:52
